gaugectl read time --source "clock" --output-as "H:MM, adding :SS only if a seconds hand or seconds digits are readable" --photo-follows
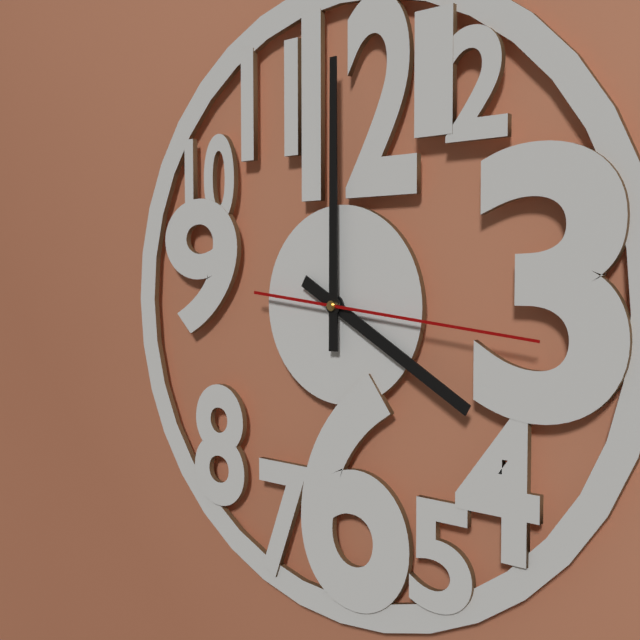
4:00:16
